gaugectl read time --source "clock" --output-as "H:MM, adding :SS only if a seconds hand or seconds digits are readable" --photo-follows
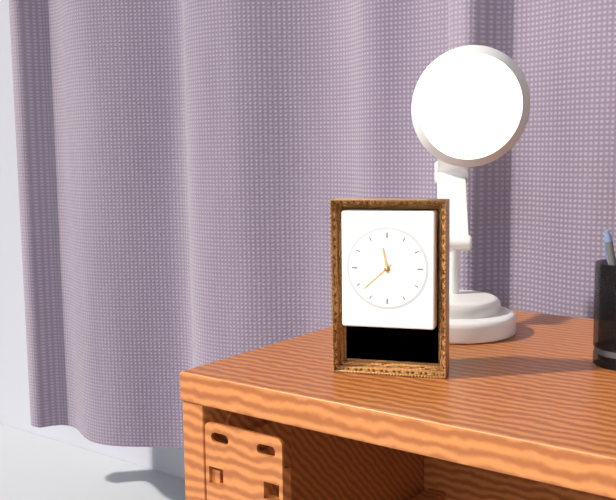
11:38
